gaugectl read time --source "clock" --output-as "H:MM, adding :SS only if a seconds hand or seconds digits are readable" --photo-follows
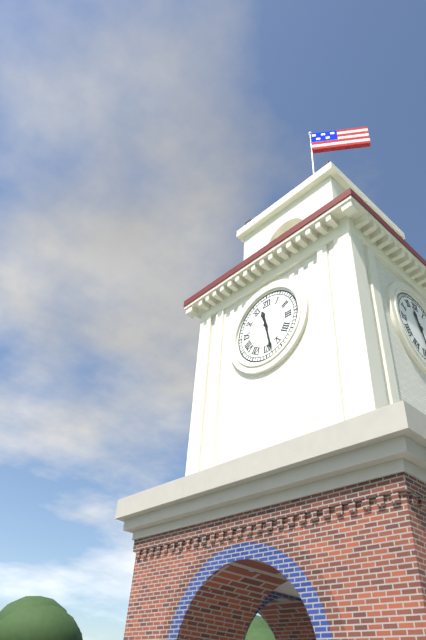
11:28
